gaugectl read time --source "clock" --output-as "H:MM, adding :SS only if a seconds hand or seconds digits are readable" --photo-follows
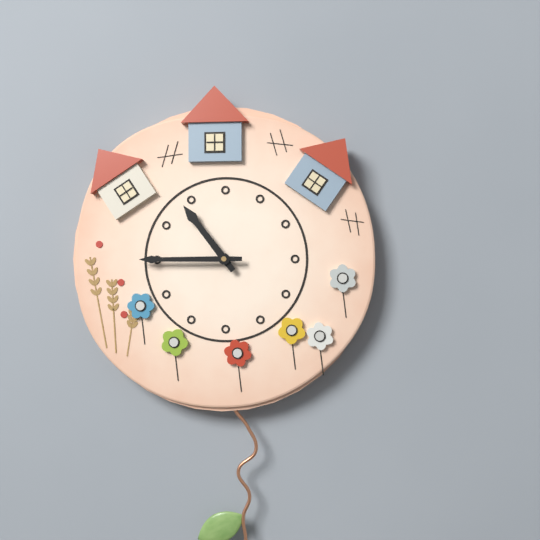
10:45
